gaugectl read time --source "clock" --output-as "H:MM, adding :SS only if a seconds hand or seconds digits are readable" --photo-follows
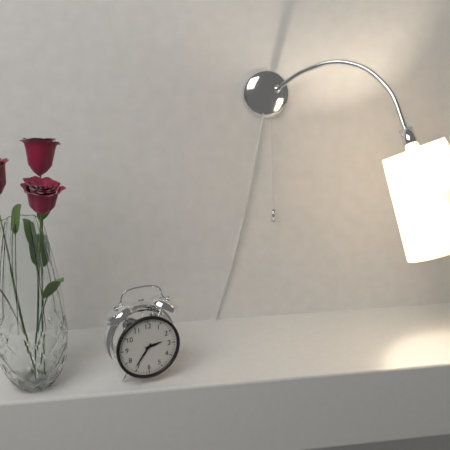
2:36
